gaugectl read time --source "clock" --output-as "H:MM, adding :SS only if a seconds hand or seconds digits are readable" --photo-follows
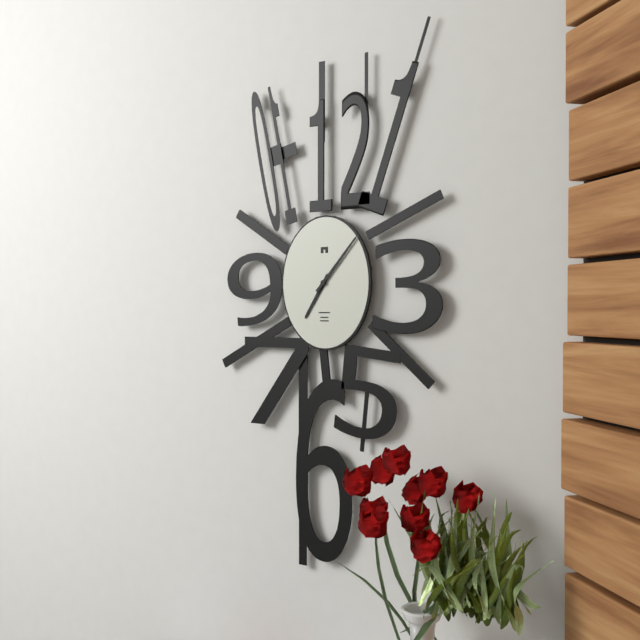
7:07
